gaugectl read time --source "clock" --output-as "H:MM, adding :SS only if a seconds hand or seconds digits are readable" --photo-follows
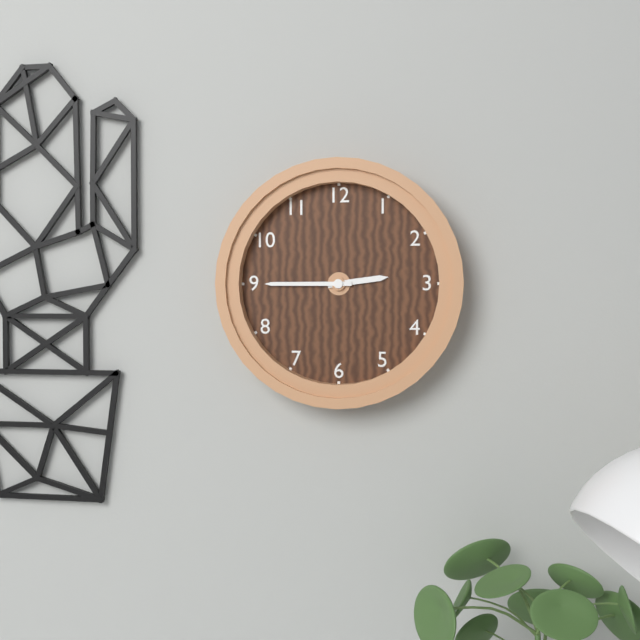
2:45
